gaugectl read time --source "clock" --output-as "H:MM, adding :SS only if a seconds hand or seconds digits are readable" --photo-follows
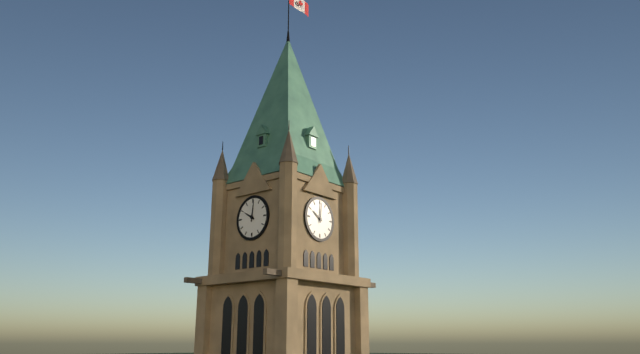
10:01
